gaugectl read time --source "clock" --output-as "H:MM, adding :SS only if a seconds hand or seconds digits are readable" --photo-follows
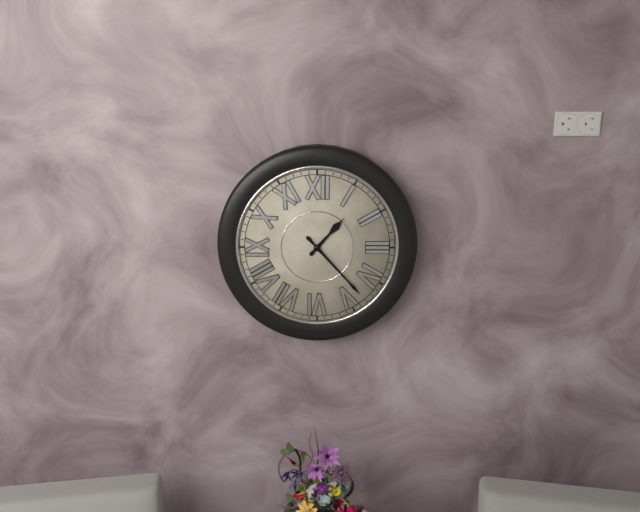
1:23
